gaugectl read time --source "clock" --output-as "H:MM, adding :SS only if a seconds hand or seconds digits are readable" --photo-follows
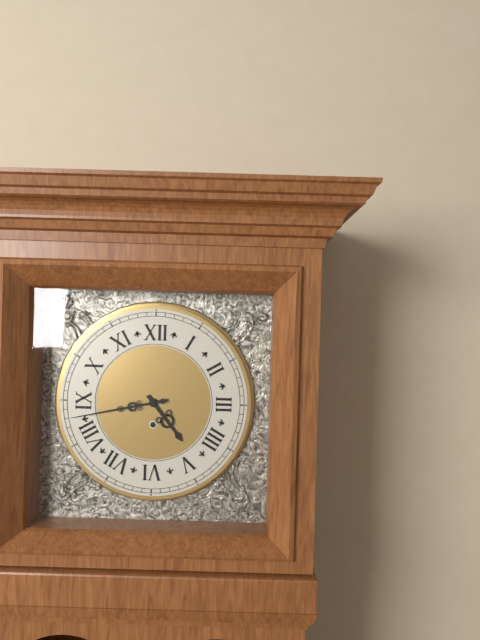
4:43
